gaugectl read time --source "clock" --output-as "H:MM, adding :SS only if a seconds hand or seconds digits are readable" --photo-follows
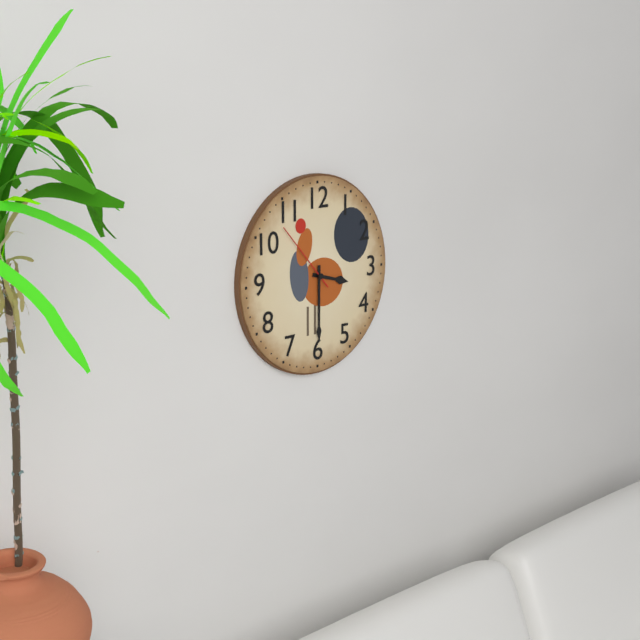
3:30:53
